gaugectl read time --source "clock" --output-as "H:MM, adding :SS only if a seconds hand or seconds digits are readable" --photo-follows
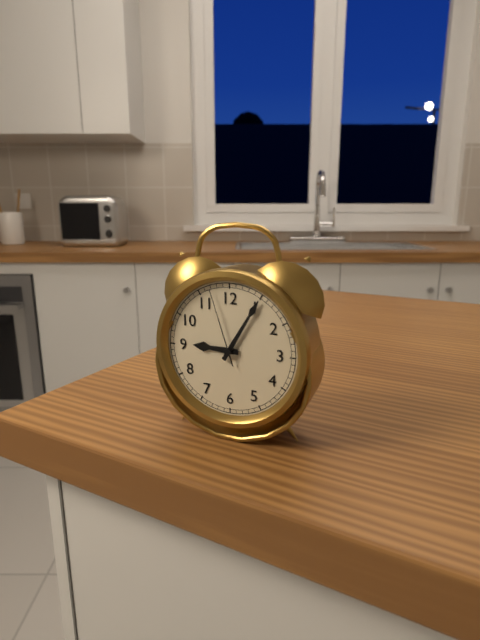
9:05:57
